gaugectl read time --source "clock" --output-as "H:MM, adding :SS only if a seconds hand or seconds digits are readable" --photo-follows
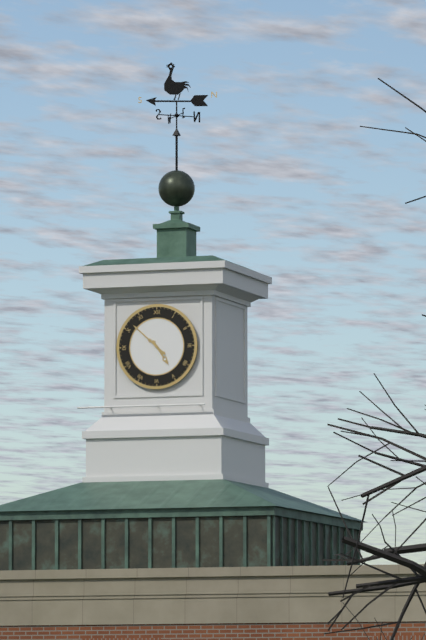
4:52
